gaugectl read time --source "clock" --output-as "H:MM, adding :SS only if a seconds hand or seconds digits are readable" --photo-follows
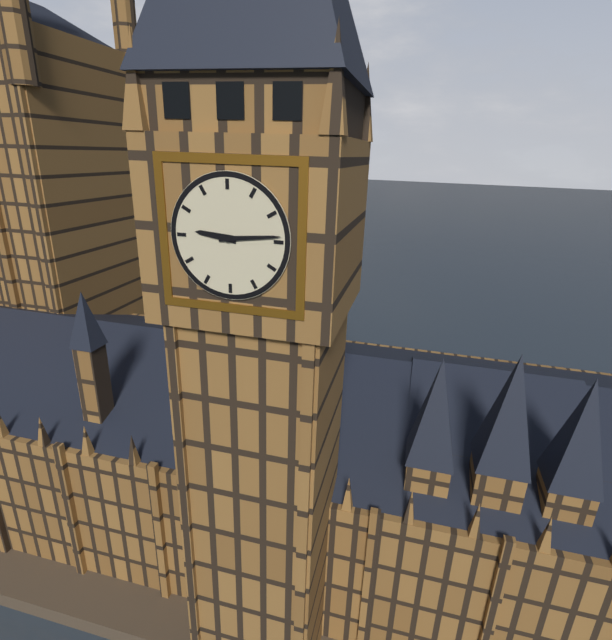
9:14
